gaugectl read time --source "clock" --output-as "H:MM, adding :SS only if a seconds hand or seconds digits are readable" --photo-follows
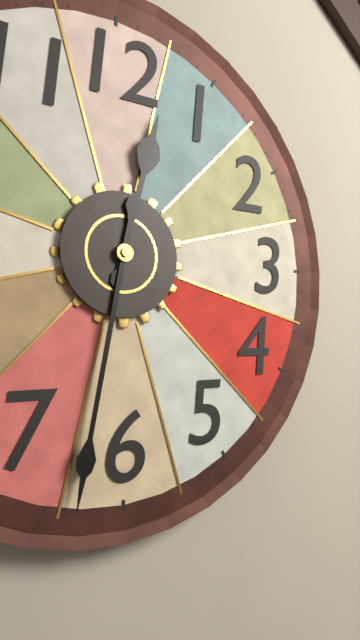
12:32
